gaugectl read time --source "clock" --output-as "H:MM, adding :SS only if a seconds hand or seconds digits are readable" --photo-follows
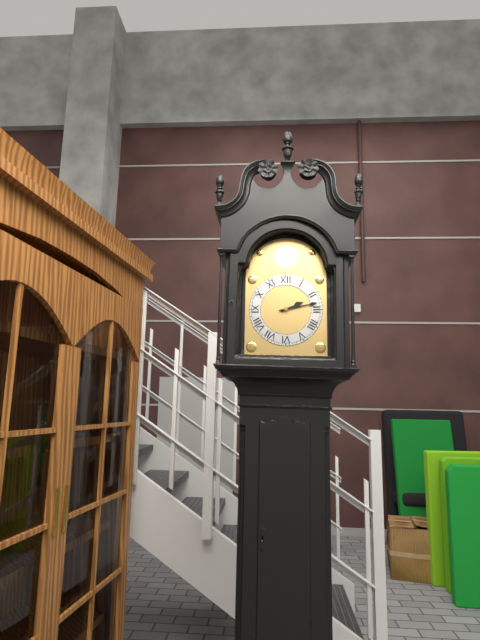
2:13
